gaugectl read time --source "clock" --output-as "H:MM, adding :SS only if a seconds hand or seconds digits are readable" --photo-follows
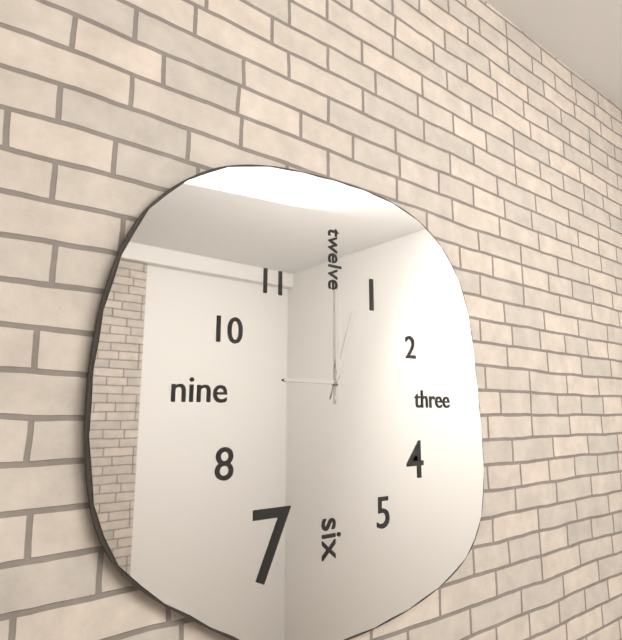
9:00:03
